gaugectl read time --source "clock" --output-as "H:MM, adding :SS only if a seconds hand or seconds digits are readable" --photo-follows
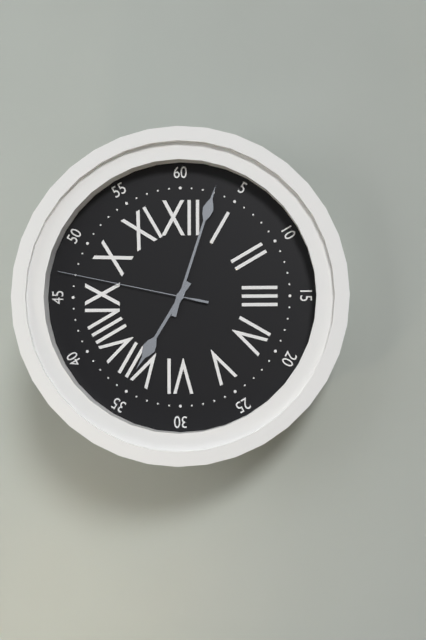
7:03:47
